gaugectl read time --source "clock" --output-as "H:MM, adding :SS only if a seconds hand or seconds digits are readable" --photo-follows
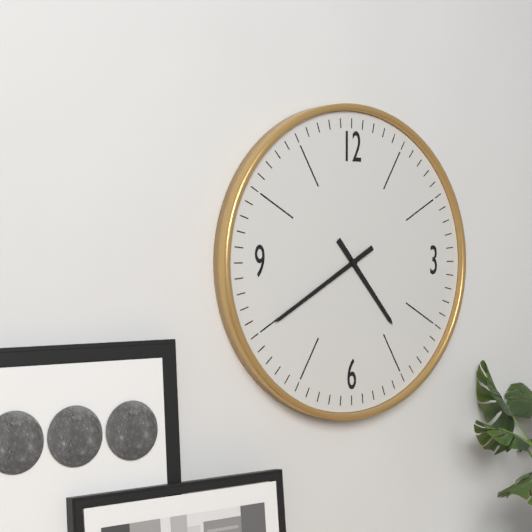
4:40
